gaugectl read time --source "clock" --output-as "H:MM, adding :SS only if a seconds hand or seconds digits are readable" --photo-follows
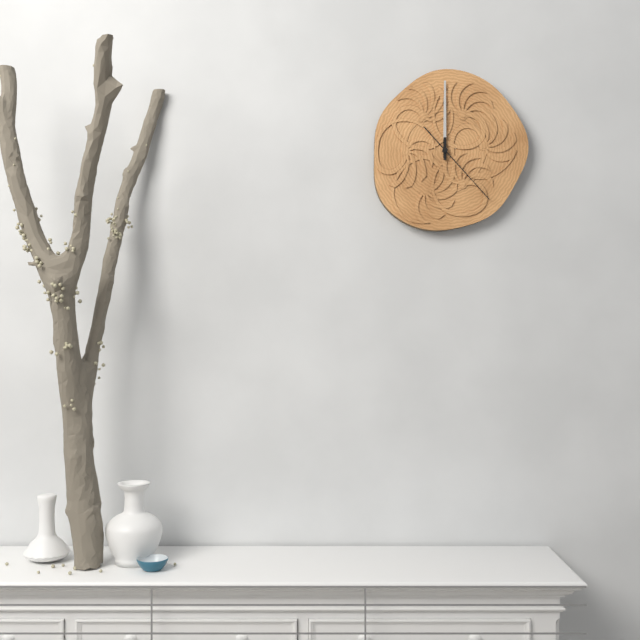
12:00:23
